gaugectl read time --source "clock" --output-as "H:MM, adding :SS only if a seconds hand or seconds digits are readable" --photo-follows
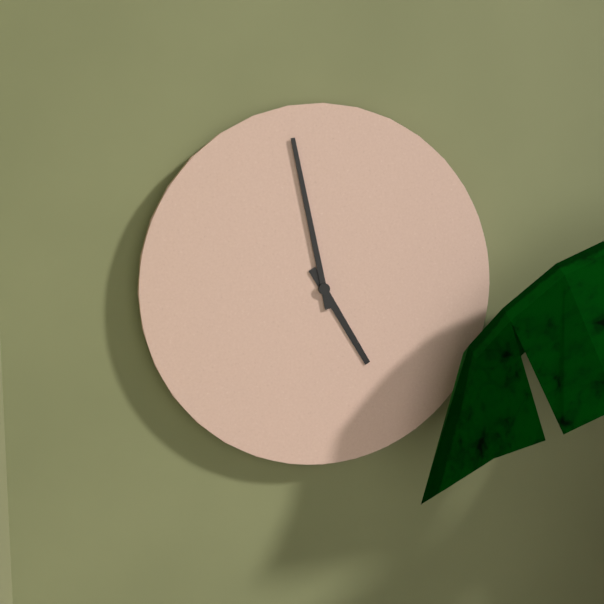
4:58
